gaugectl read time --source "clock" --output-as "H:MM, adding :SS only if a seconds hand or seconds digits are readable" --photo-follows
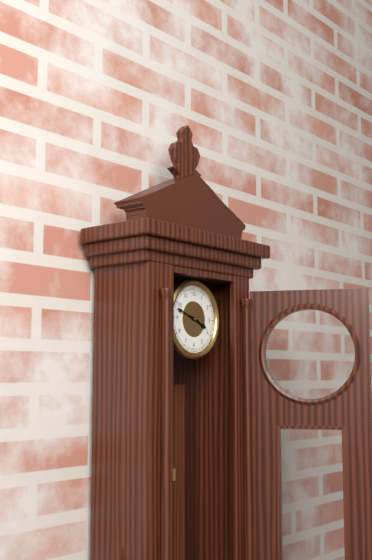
3:48
